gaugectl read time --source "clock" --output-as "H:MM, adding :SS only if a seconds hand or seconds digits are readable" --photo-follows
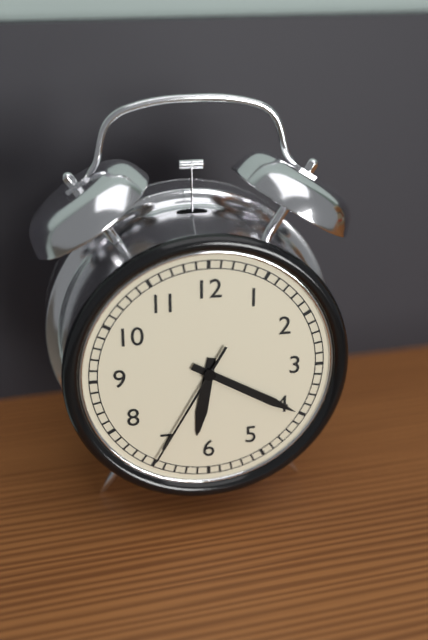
6:20:35
